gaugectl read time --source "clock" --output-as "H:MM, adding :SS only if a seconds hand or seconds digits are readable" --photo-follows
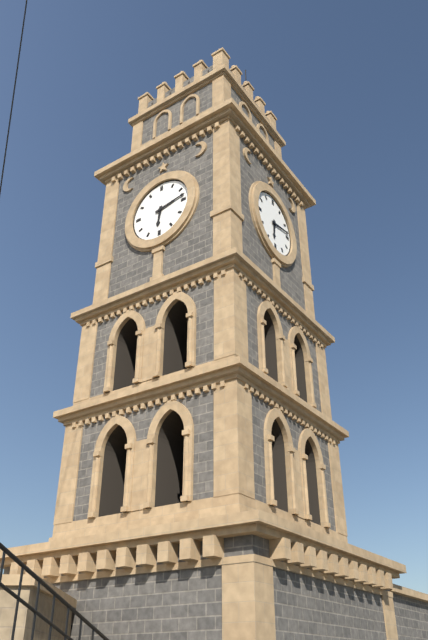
6:13
